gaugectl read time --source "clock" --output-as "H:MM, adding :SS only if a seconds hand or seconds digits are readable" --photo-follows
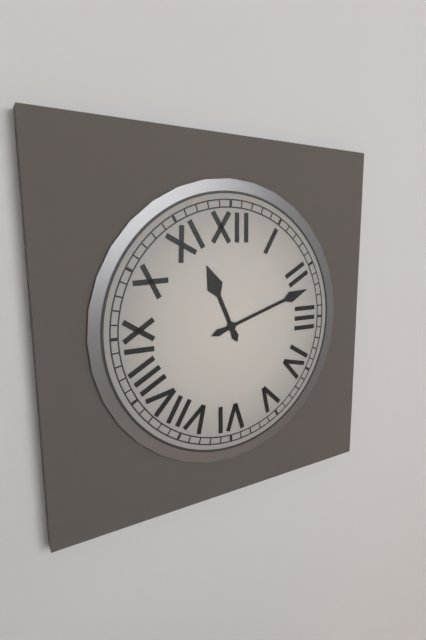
11:12
